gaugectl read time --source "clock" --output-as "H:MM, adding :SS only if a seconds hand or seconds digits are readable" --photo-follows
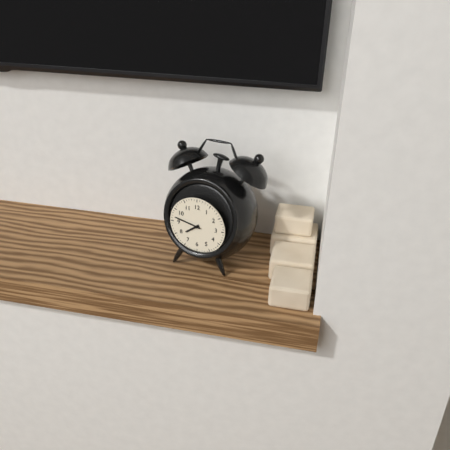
7:47
